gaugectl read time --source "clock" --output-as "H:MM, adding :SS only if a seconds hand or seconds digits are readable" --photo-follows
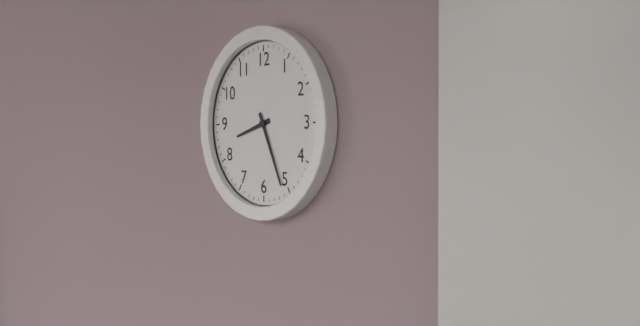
8:26
